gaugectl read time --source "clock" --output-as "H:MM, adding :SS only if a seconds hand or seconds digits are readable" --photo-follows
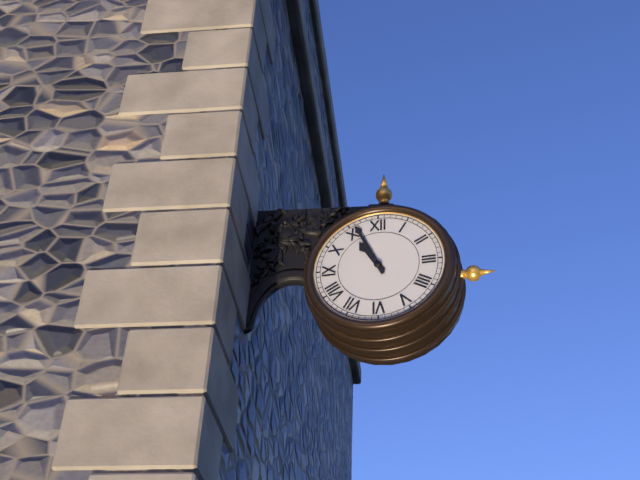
10:56
